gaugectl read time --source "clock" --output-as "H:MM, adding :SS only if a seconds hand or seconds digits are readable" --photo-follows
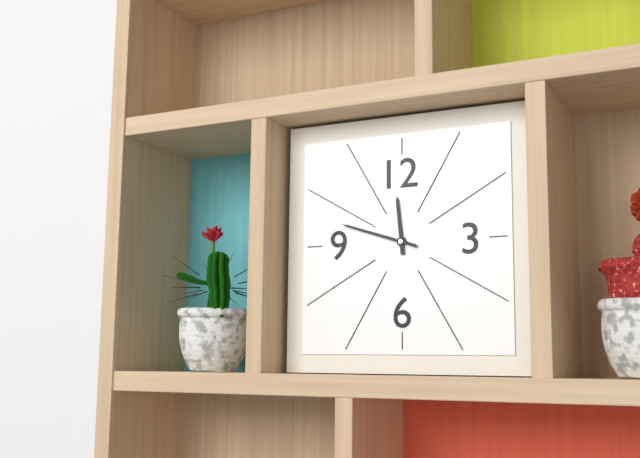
11:48
